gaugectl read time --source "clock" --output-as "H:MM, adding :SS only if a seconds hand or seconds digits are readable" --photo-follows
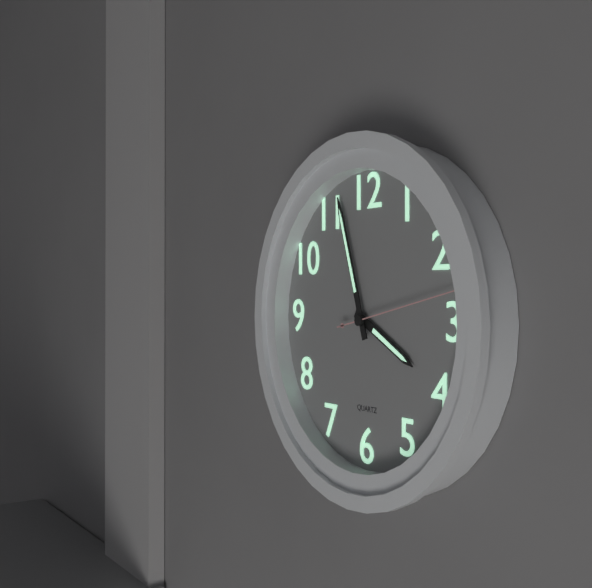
3:57:13
